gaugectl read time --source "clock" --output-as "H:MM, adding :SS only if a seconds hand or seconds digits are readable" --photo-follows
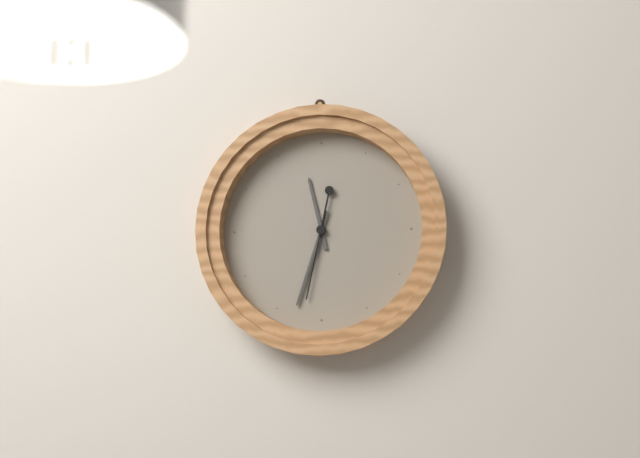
11:33:32
